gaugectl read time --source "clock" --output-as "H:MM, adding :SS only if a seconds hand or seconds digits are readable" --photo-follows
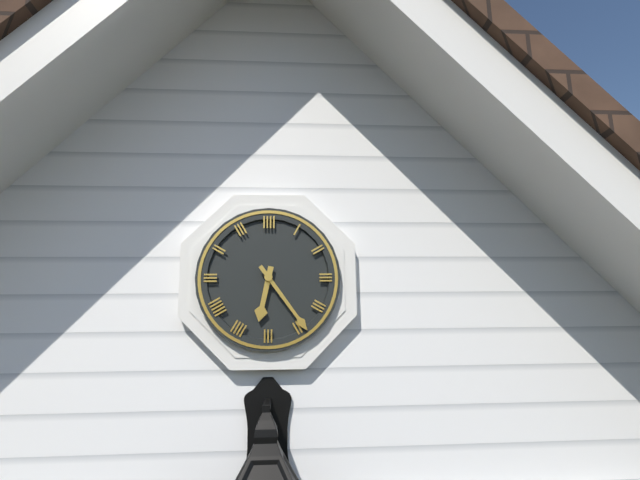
6:24
